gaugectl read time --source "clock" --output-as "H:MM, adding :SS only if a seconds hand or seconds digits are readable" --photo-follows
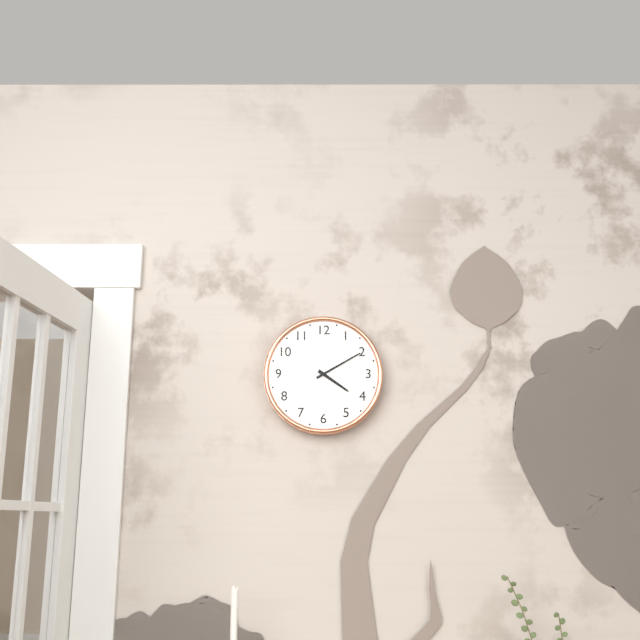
4:10
